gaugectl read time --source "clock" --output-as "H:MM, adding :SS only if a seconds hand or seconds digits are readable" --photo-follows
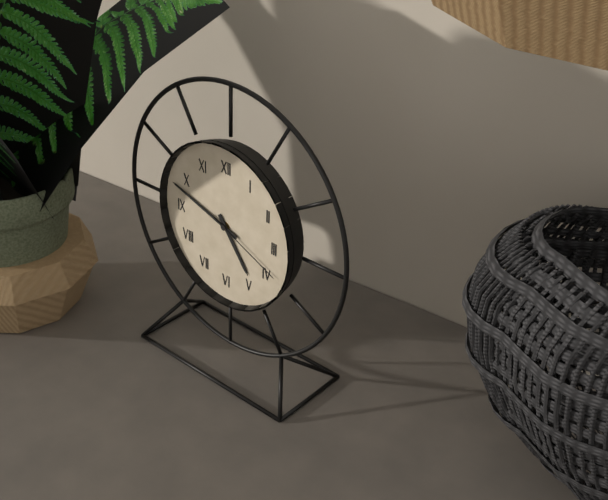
4:48:19
